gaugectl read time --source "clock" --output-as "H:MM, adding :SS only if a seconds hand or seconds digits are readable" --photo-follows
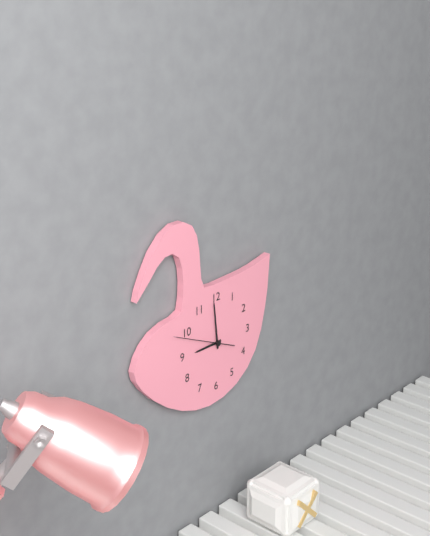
8:59:49
